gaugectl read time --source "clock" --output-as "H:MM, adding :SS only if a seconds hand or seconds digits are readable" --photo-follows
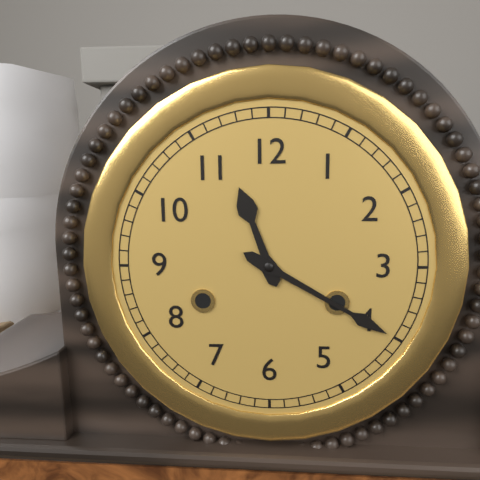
11:20
